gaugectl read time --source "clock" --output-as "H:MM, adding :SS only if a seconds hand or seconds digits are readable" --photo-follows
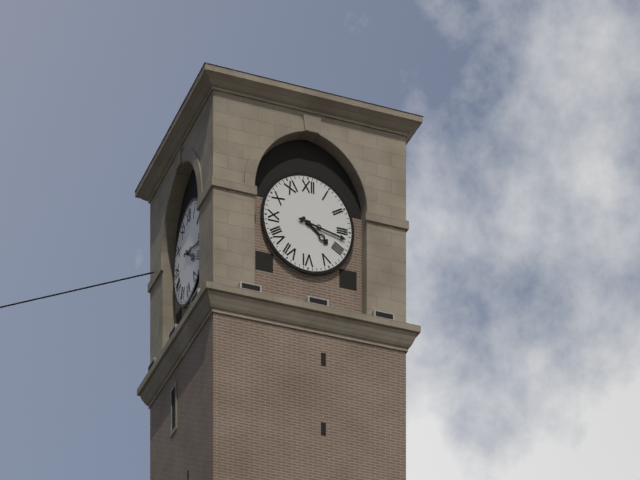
4:17
